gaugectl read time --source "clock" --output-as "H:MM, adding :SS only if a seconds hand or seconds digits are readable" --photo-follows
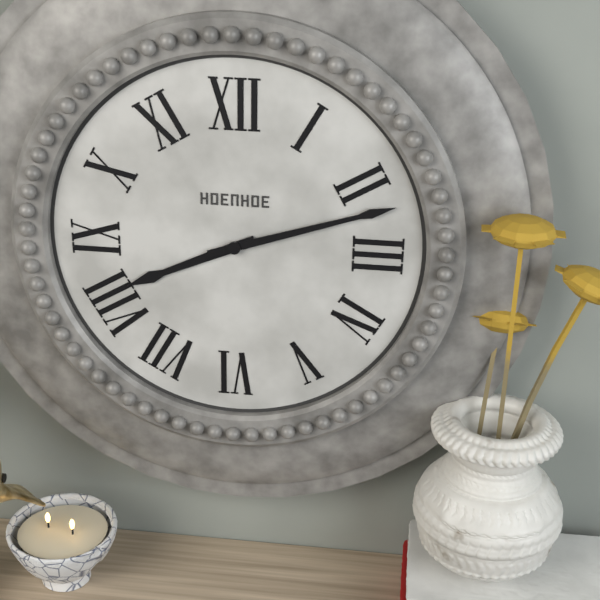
8:12
